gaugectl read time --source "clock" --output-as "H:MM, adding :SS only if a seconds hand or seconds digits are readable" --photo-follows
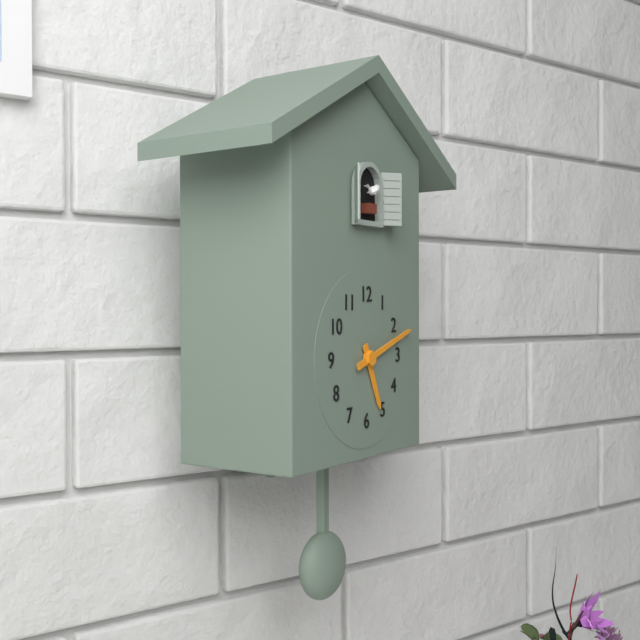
5:12
